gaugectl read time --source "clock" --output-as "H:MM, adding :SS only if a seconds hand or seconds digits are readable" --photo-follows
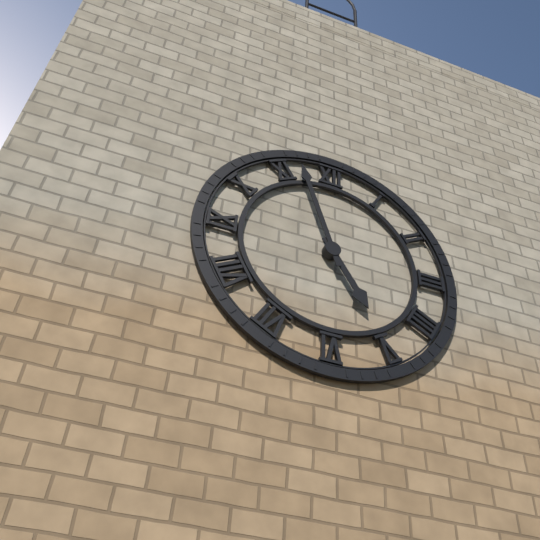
4:57
